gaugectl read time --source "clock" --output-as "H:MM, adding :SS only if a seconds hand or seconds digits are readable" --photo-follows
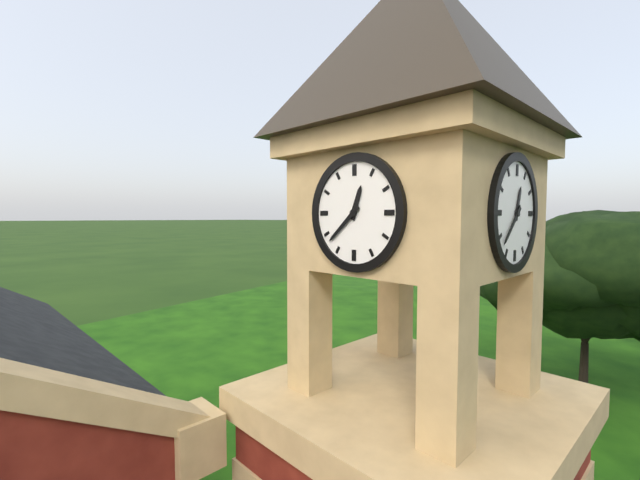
12:38
